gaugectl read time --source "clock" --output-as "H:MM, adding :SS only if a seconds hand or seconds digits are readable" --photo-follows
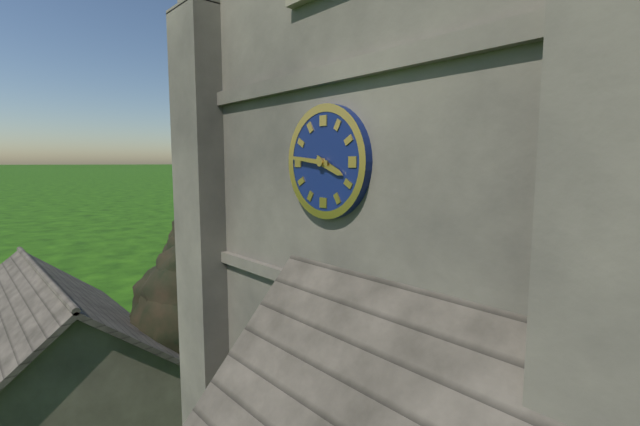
3:46
